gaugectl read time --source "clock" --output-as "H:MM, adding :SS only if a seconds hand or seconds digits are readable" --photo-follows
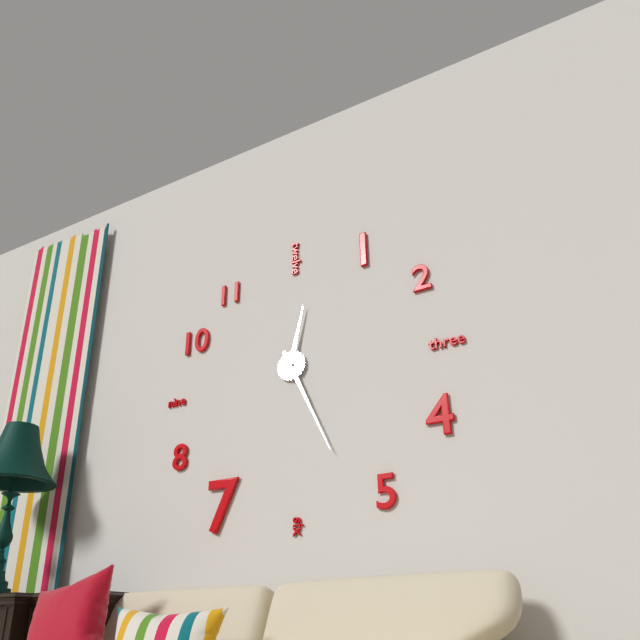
12:26
